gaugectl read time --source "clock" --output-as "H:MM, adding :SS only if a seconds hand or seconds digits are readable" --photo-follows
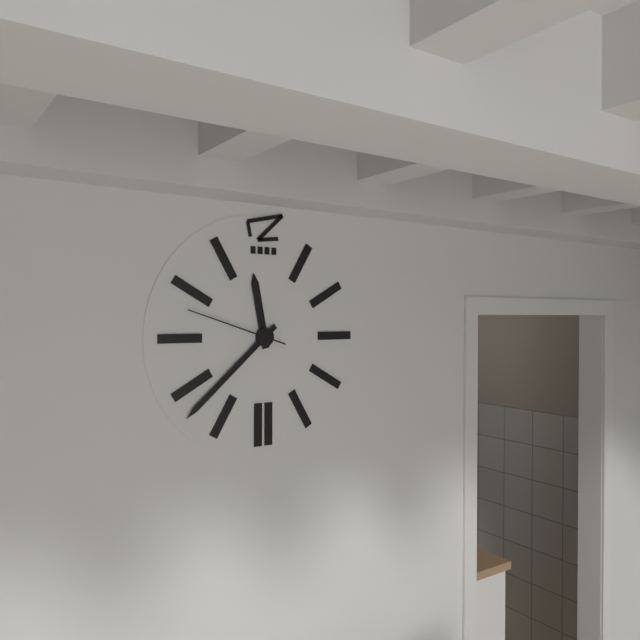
11:38:48
